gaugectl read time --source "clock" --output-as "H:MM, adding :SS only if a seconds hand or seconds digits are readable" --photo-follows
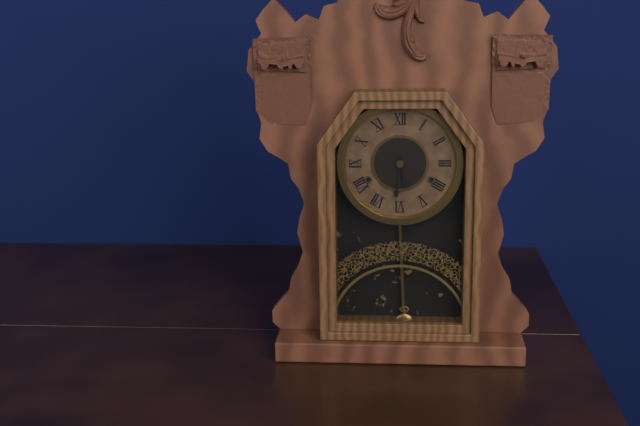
5:31
